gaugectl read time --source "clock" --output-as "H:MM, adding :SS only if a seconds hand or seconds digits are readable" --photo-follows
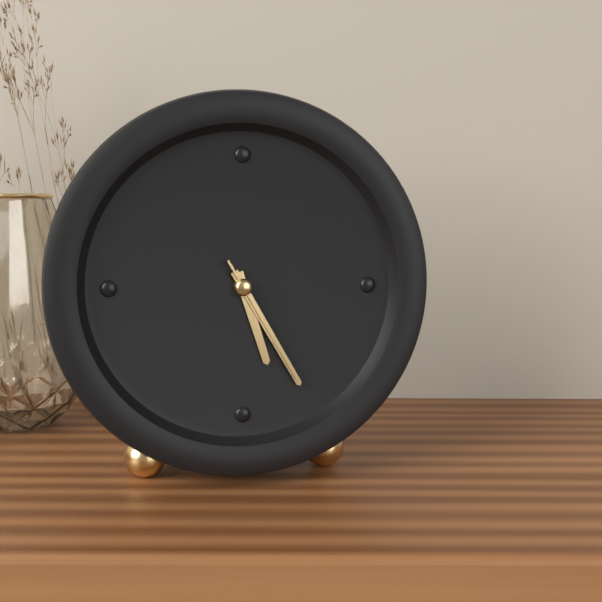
5:25:25
